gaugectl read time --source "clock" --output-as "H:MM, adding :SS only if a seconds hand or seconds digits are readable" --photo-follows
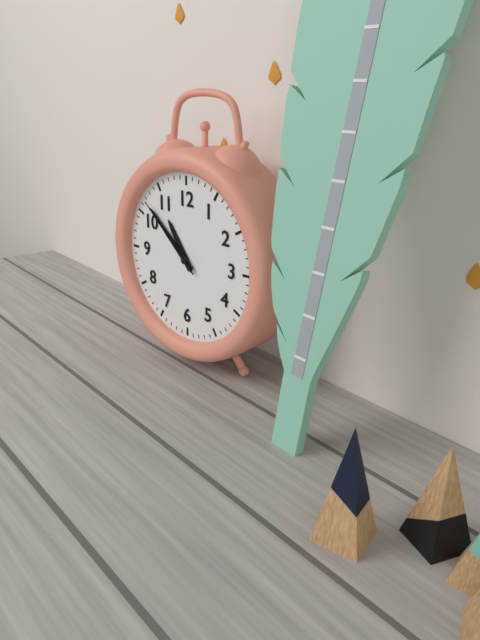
10:52:52
